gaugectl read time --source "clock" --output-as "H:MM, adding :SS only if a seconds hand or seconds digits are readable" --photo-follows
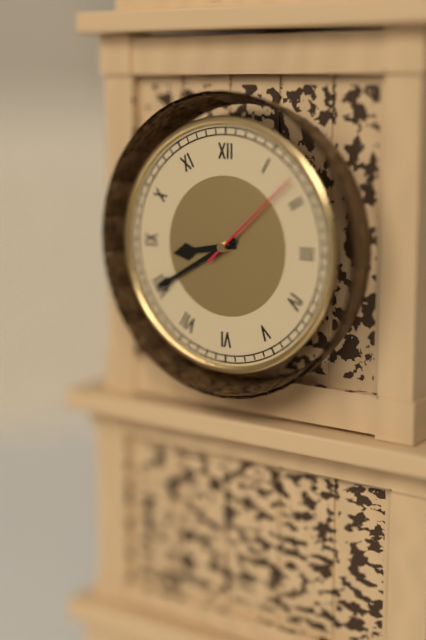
8:40:08
